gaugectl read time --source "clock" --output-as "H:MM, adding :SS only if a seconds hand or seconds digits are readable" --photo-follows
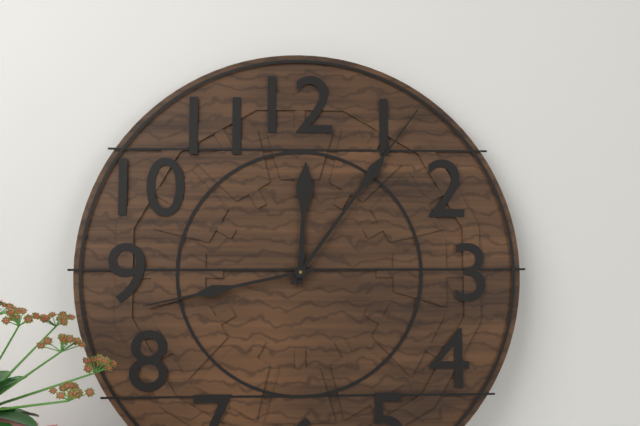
12:06:43
